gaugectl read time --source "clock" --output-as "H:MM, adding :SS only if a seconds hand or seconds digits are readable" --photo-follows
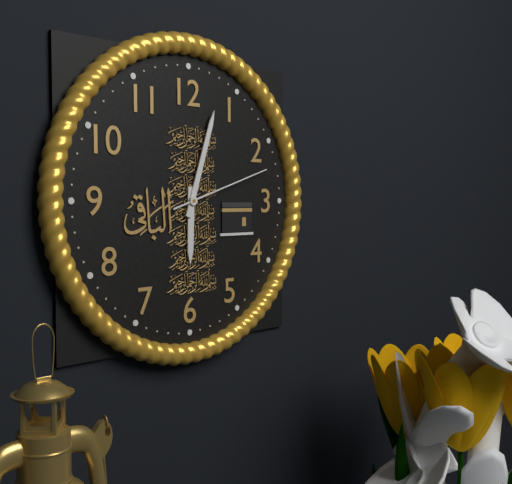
6:03:12
